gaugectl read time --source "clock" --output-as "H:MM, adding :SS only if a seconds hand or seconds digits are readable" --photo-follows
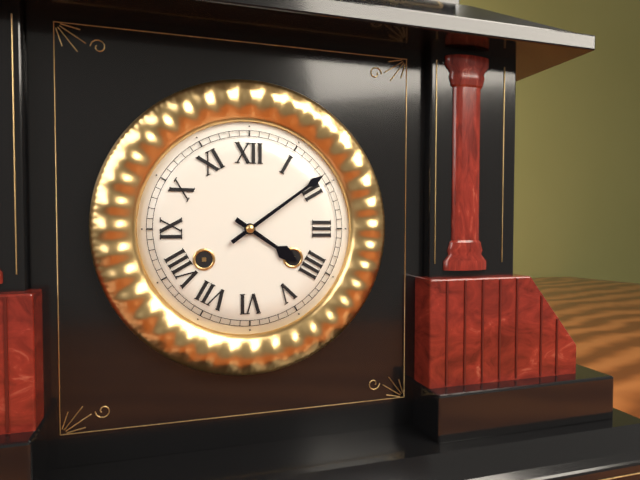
4:09
